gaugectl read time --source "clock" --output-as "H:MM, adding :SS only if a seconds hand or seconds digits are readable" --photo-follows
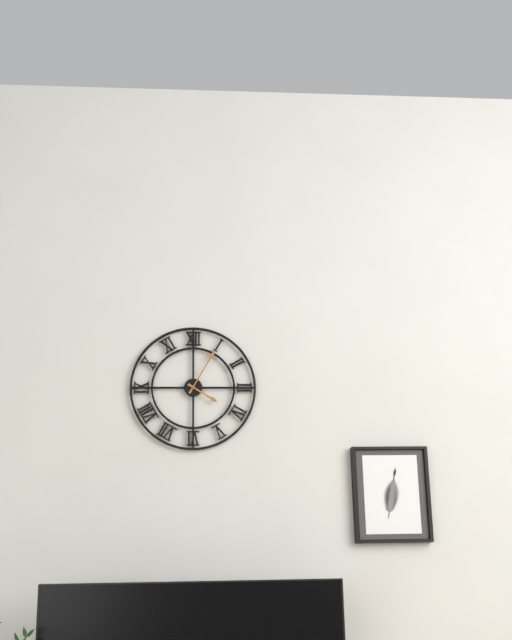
4:05
